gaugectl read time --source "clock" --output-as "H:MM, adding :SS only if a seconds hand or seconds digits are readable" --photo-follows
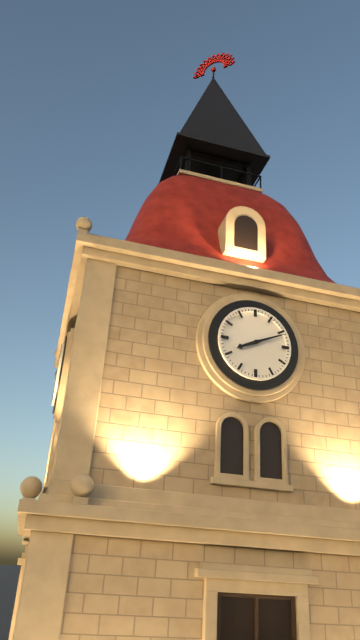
8:11
